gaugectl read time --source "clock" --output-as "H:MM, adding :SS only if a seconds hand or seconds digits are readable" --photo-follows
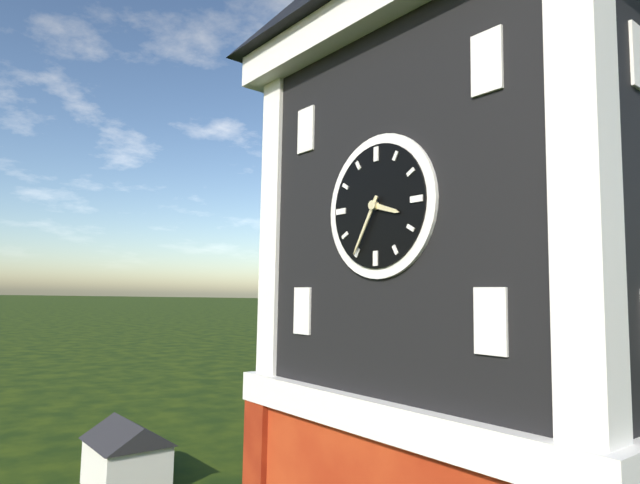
3:35
